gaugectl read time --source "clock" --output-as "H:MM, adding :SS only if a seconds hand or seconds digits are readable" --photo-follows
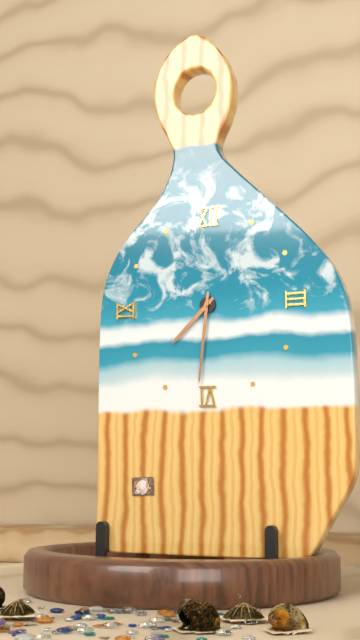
7:31
